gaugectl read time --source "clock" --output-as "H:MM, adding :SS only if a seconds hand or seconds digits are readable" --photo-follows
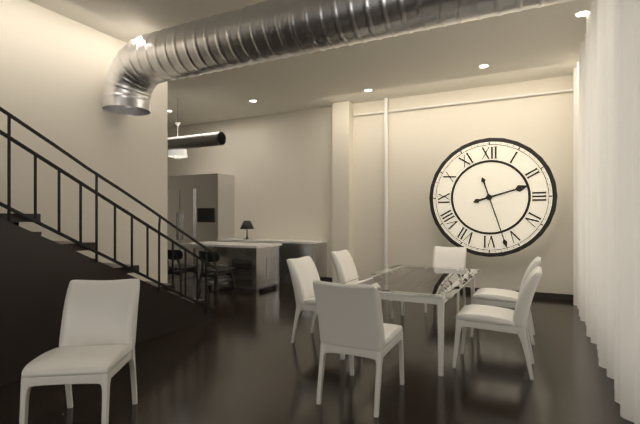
2:27
